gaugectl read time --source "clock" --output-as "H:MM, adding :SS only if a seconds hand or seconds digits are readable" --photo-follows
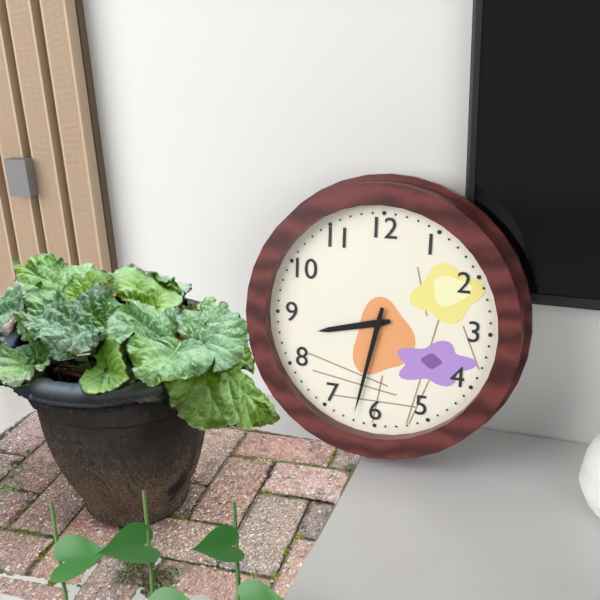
8:32
